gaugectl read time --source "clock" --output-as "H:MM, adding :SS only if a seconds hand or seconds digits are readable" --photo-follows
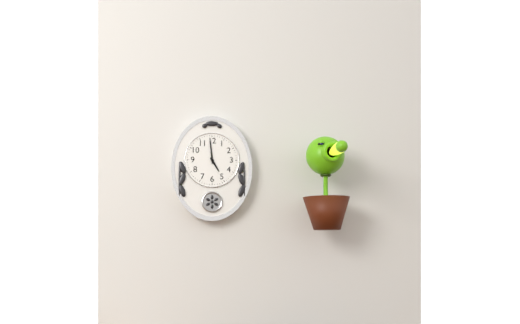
4:59
